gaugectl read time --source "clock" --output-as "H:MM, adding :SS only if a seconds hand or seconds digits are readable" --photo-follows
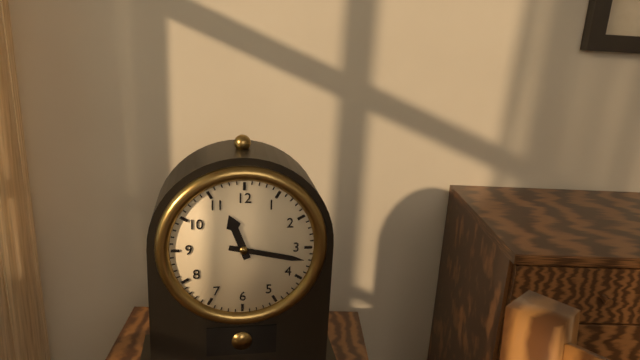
11:17
